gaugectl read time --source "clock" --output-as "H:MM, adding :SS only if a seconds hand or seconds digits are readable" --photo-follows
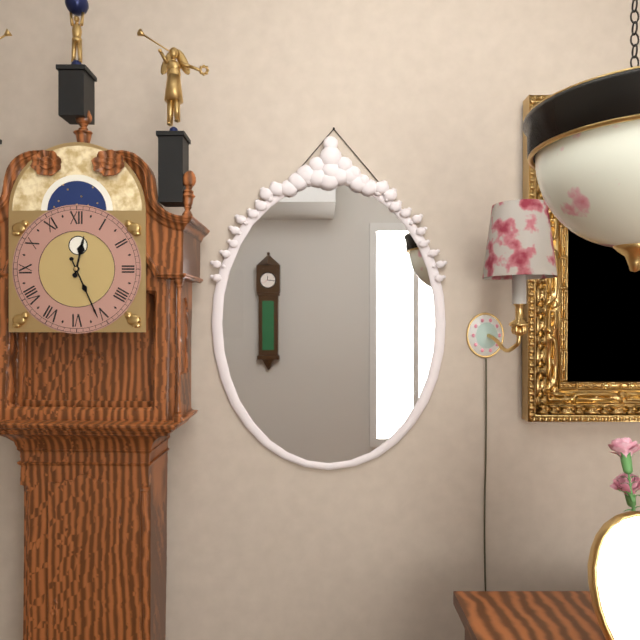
12:26
